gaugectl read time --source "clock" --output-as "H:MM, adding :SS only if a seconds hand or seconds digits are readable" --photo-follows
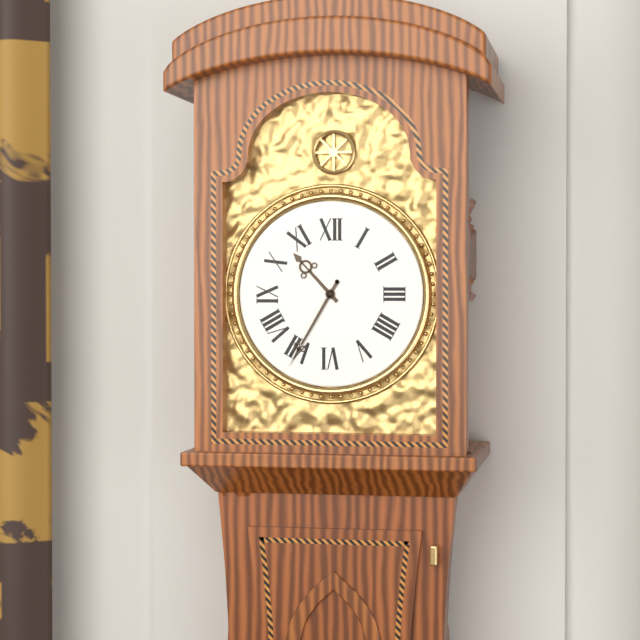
10:35
